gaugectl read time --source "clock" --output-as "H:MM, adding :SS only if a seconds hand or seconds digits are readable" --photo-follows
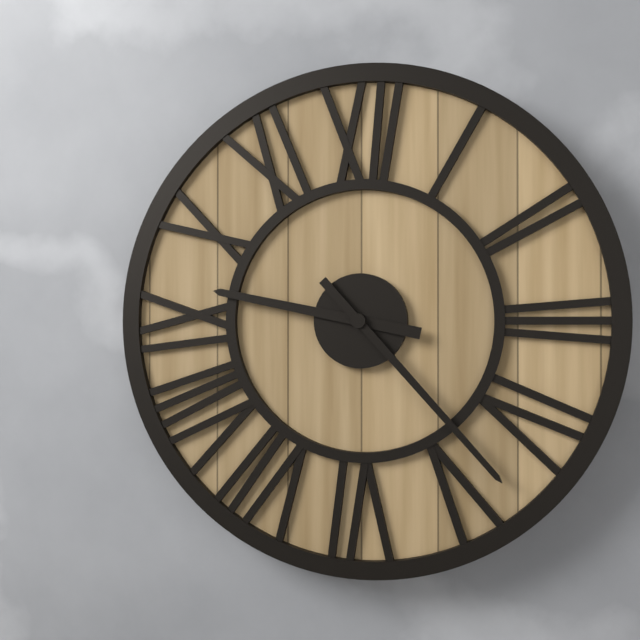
9:23
